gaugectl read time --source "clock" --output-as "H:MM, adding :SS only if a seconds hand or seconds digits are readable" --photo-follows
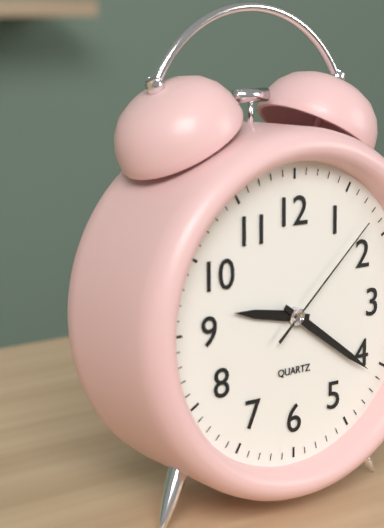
9:21:08
